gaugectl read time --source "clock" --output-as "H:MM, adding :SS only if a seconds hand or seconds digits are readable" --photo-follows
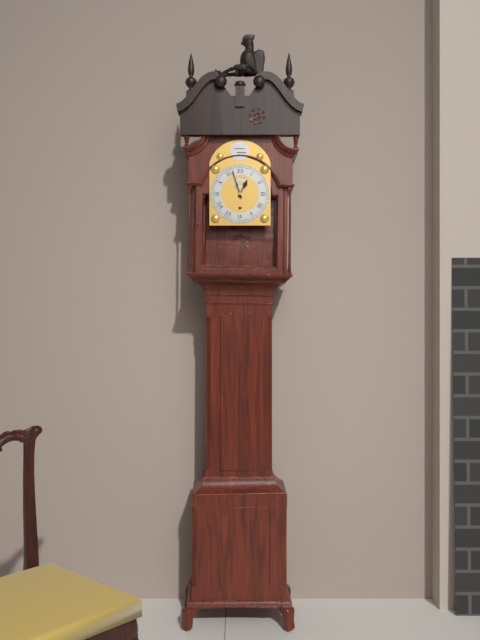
12:57
